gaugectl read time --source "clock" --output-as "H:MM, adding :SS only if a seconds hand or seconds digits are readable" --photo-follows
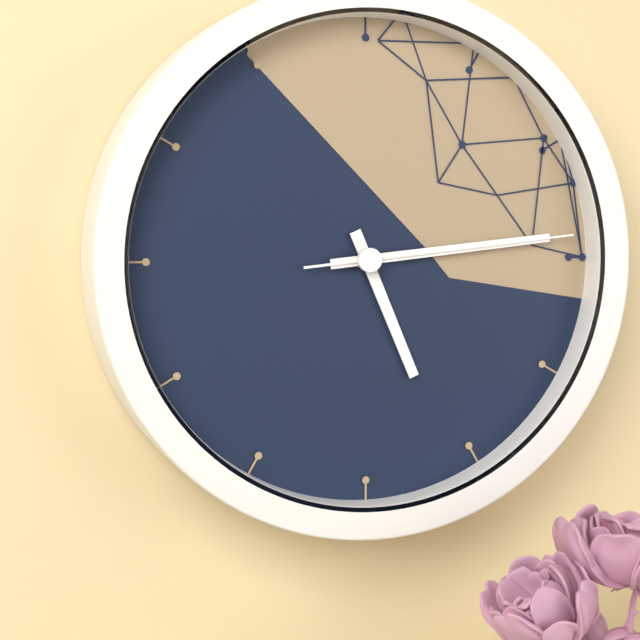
5:14:14
